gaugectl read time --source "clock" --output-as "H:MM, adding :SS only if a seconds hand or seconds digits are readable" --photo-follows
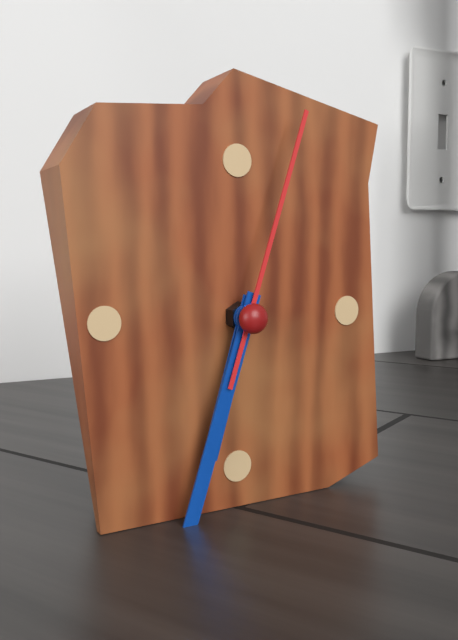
6:33:03
